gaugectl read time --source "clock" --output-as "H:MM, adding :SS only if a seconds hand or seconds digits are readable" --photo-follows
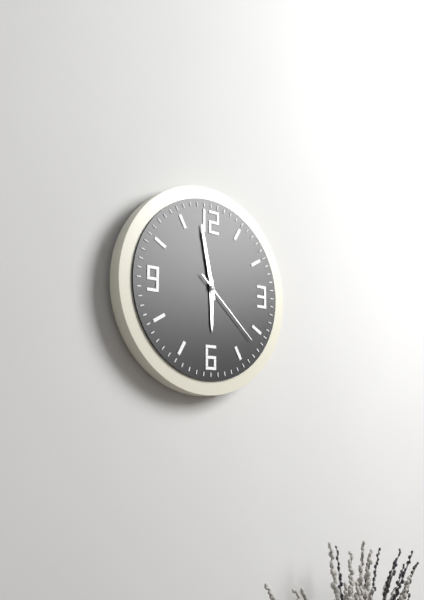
5:58:22
